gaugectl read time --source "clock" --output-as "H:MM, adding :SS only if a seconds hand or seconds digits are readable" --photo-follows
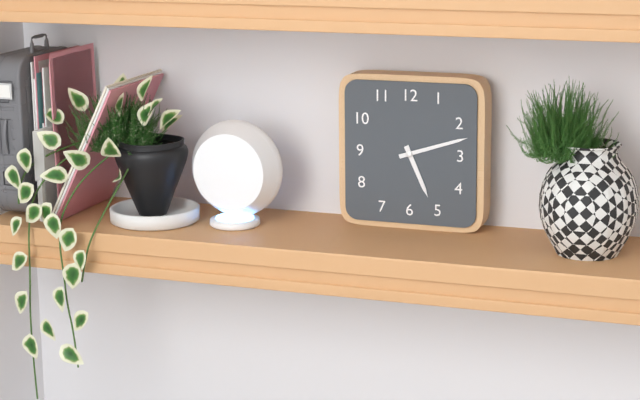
5:12
